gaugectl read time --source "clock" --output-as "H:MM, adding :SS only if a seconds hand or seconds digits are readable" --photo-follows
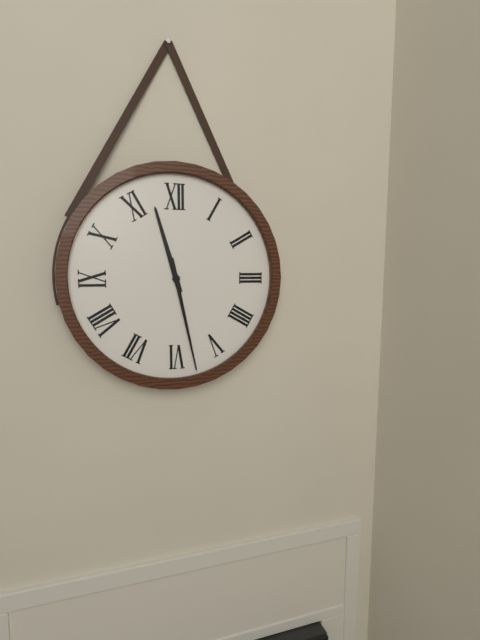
11:28
